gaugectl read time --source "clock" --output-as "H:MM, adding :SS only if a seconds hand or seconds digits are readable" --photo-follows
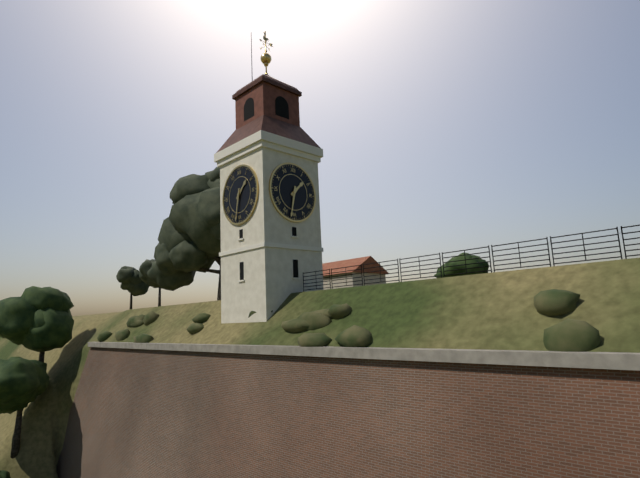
1:32
